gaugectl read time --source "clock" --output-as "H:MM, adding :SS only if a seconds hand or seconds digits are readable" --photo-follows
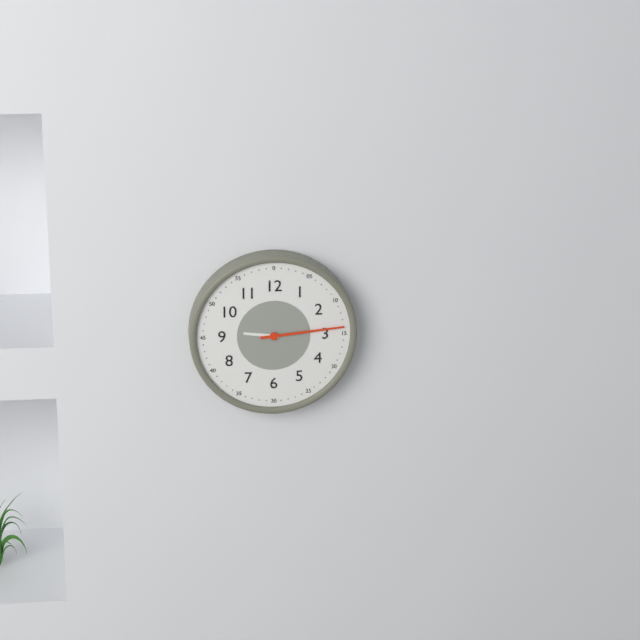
9:14
